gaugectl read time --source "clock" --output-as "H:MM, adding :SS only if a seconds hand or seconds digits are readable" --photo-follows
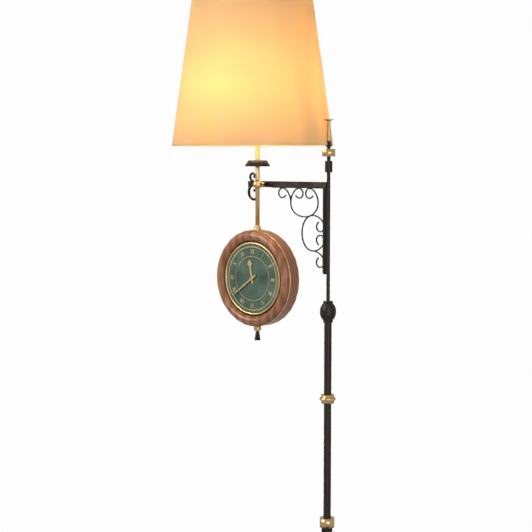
11:39
